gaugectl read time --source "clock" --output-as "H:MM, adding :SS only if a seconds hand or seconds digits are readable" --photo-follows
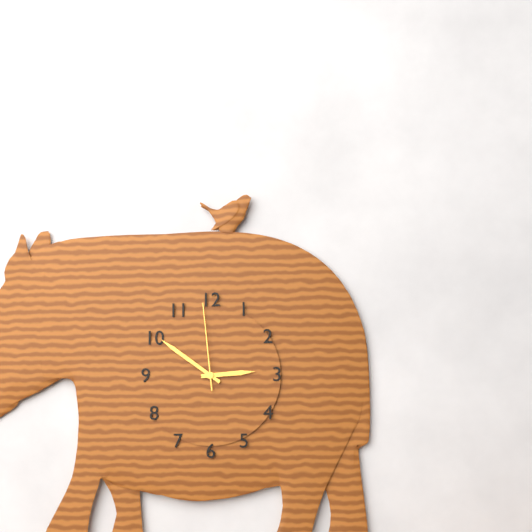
2:51:59
